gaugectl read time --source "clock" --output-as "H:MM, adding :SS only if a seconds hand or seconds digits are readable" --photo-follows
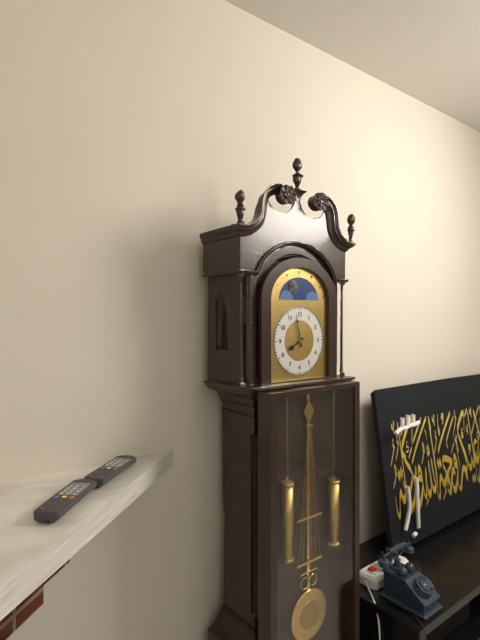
7:58
